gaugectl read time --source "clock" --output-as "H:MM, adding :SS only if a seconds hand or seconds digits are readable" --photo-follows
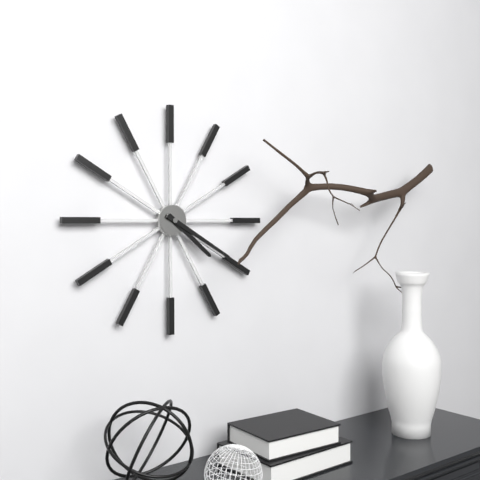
4:20
